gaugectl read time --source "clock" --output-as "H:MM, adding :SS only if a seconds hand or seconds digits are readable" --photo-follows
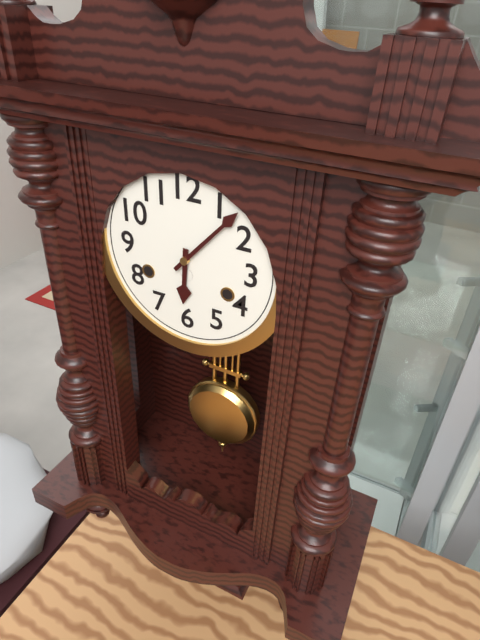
6:07
